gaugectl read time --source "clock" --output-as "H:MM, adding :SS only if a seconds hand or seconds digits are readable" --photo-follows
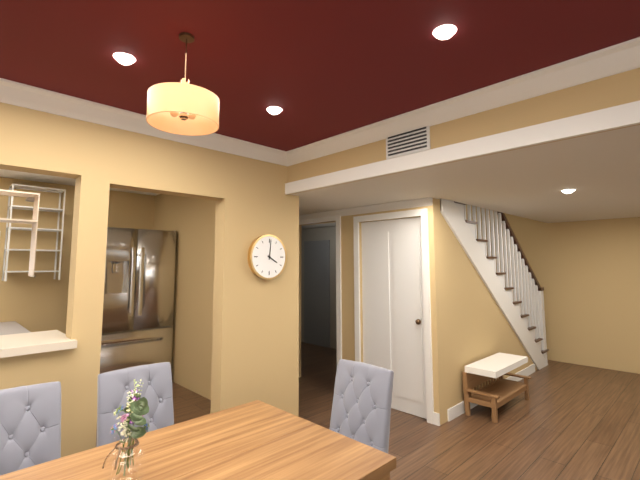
4:01
